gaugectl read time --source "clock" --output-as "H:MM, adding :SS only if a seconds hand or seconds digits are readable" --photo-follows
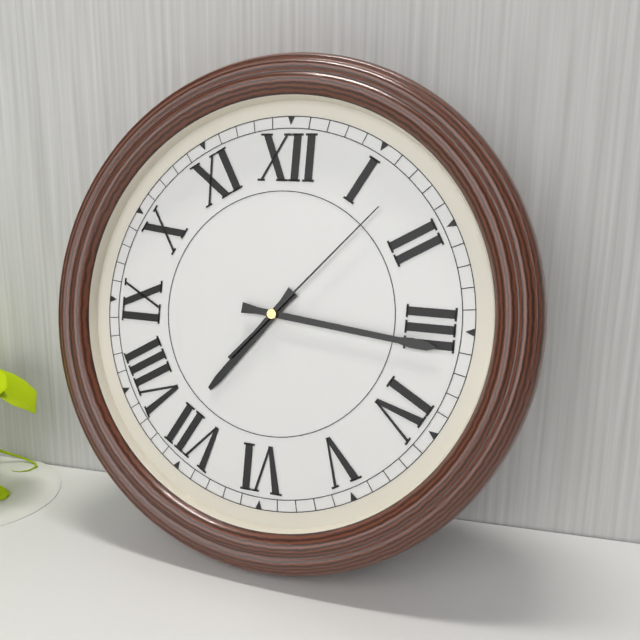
7:16:07
